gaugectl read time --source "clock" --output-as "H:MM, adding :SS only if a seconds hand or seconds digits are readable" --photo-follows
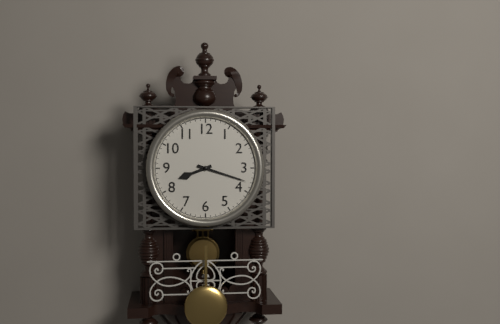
8:18
